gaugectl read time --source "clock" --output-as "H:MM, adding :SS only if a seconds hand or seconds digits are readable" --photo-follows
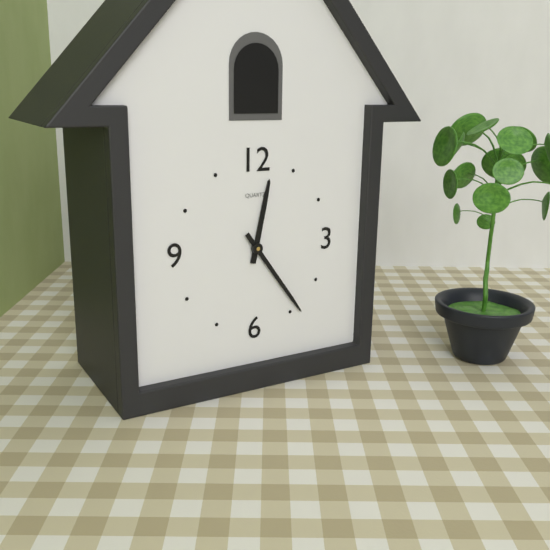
12:24
